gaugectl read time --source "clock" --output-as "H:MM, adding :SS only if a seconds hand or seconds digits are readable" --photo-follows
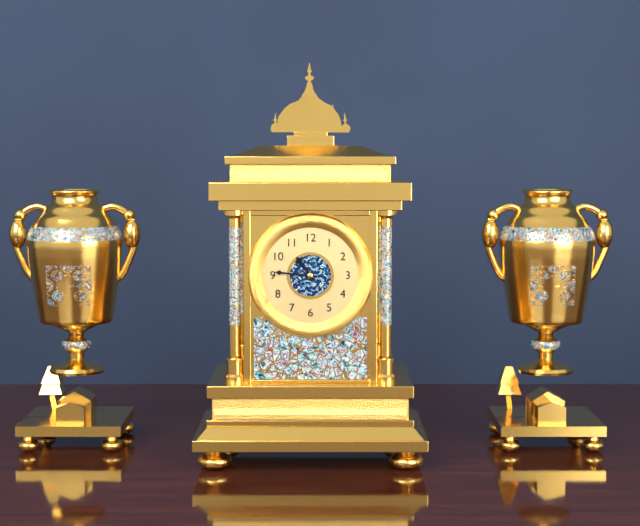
10:46
